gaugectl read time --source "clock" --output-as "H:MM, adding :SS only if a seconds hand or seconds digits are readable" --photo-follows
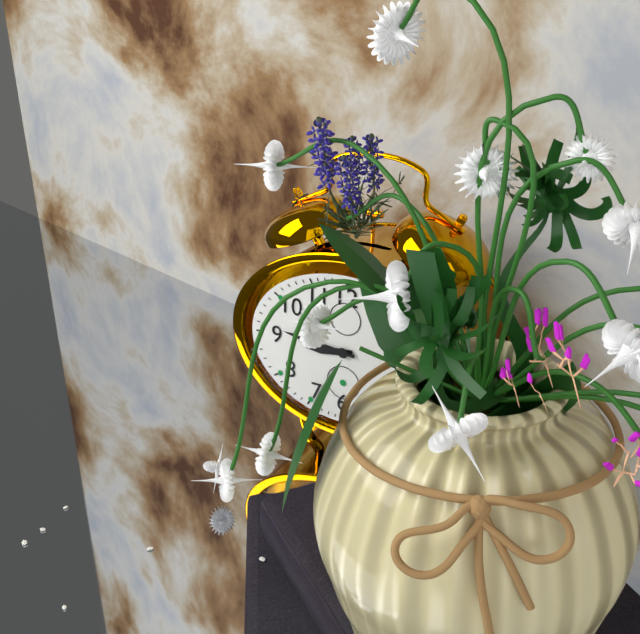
8:46
